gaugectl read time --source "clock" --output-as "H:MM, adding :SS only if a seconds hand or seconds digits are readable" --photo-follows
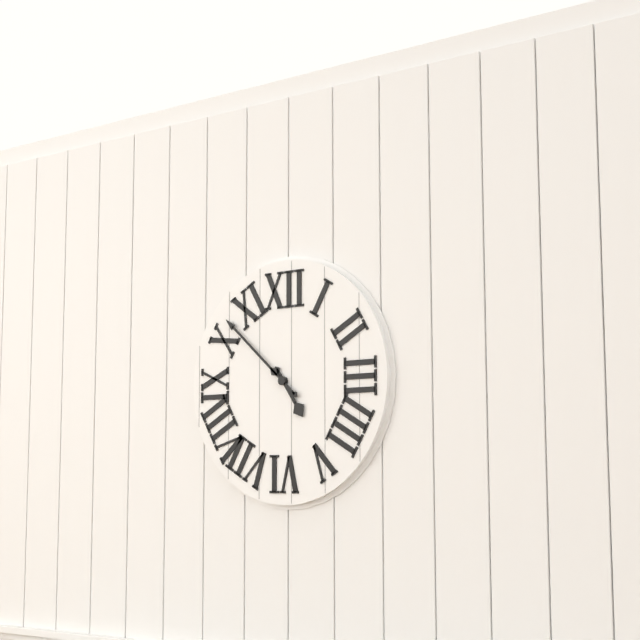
4:52
